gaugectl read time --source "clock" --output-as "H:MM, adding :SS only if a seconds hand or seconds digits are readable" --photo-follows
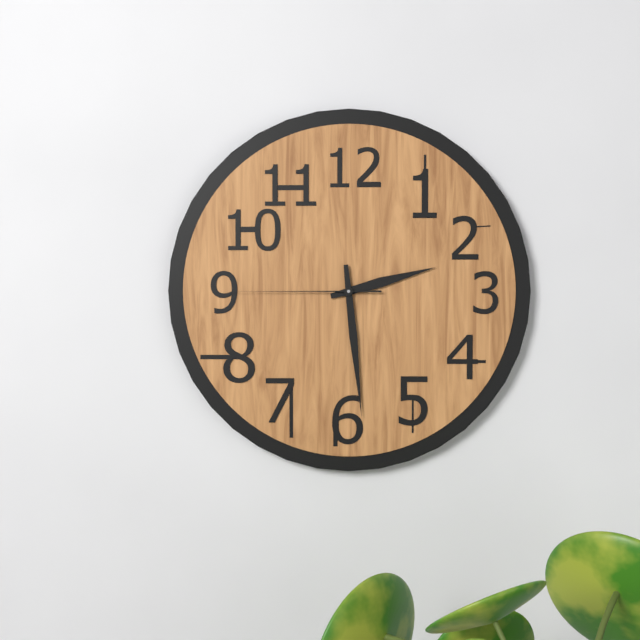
2:29:45
